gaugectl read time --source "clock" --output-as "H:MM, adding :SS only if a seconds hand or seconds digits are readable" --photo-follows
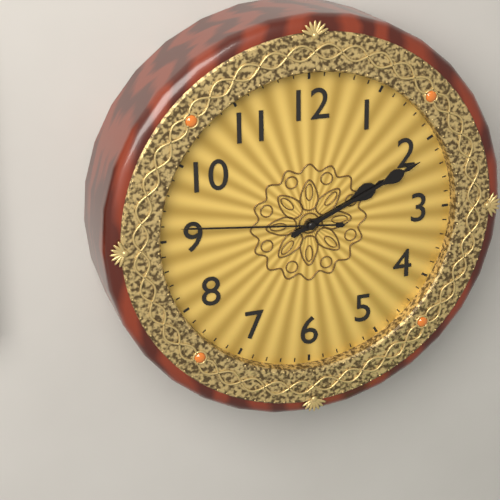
2:11:46
